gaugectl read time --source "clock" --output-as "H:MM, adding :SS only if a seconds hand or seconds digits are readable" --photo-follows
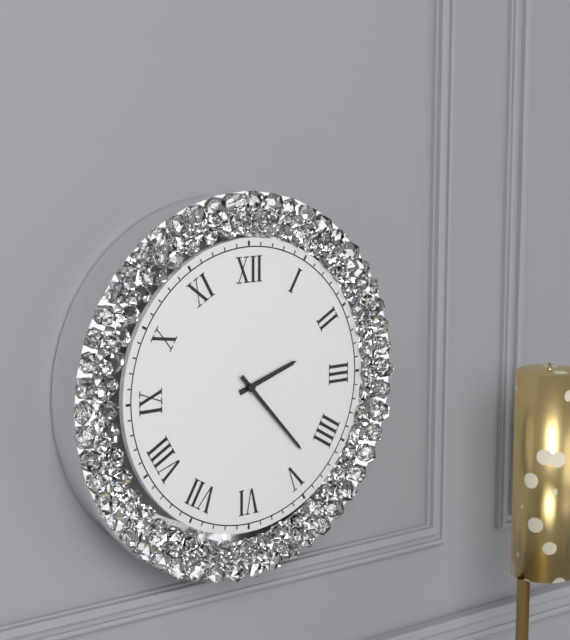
2:23
